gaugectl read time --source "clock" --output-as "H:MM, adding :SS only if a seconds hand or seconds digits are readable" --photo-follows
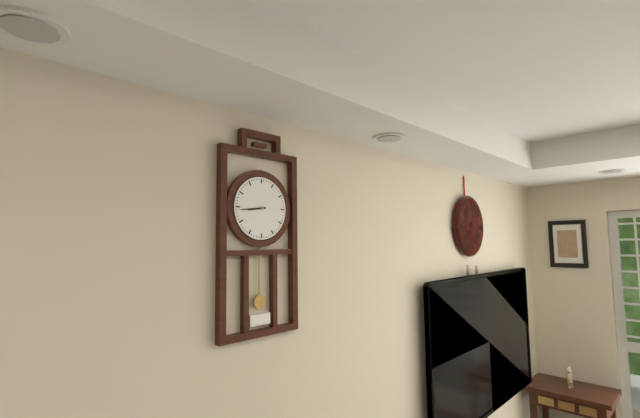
8:44
